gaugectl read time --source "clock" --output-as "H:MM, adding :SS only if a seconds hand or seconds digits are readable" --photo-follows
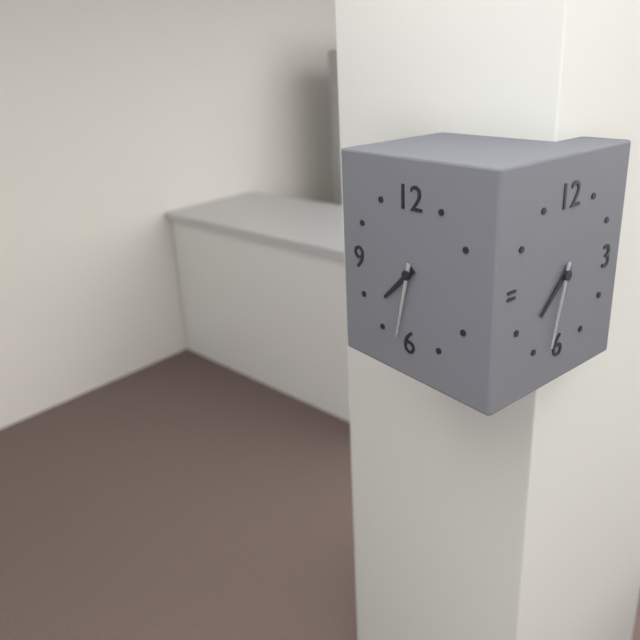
7:32
